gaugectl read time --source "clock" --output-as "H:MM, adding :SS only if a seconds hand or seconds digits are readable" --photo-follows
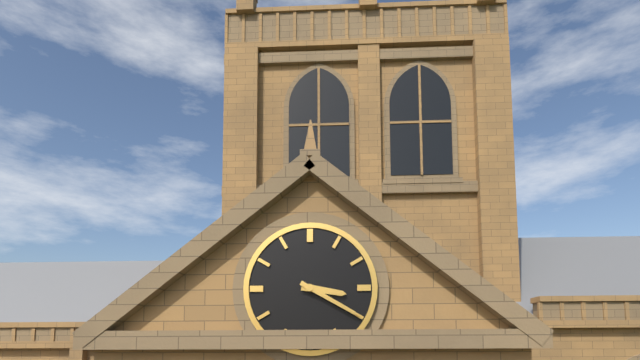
3:20
